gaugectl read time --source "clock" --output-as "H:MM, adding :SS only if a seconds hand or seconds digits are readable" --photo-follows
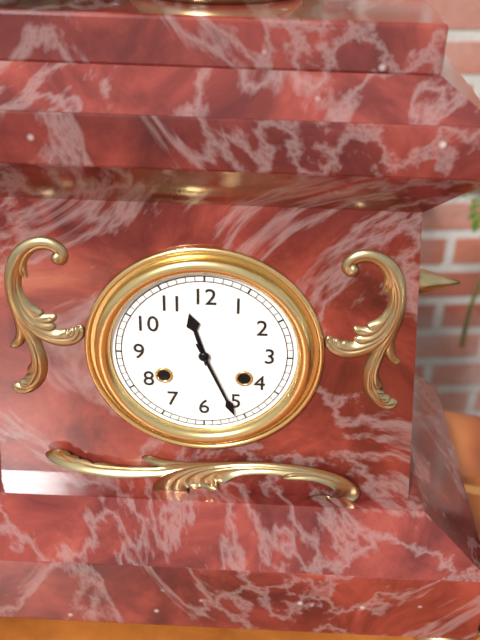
11:26
